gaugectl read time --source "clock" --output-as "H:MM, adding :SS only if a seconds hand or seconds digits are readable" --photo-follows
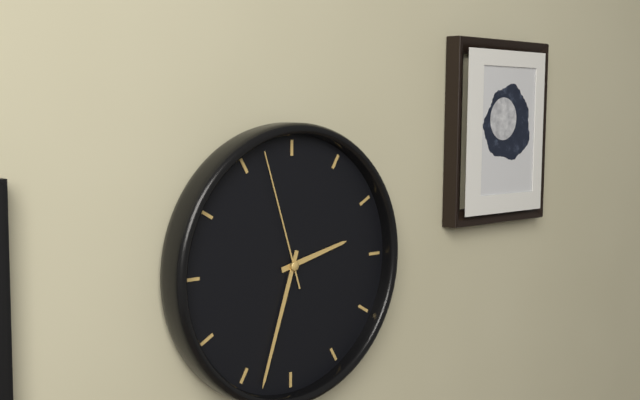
2:33:57
